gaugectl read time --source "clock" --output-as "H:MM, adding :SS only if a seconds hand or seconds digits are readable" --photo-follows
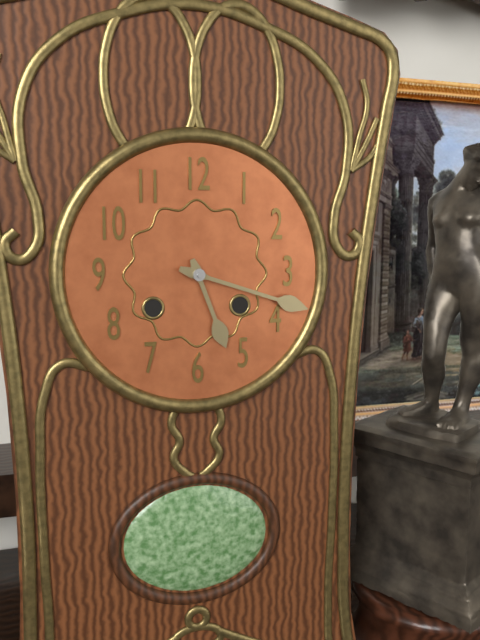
5:18
